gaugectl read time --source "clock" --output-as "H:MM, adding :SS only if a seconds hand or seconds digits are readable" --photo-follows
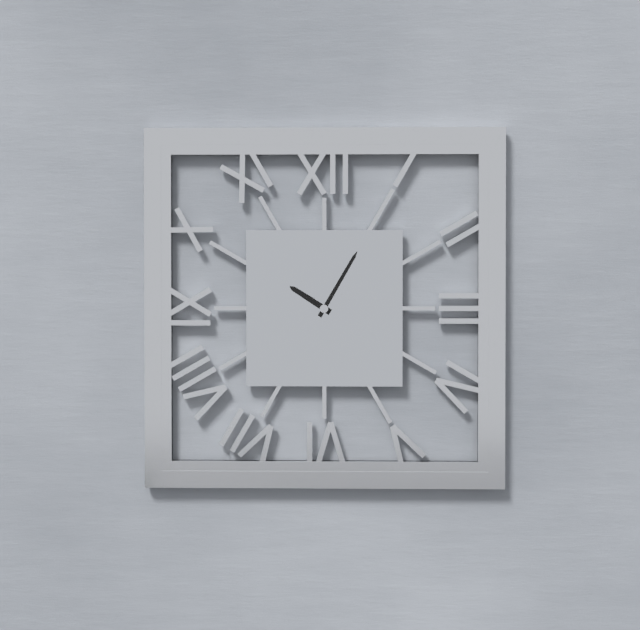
10:05
